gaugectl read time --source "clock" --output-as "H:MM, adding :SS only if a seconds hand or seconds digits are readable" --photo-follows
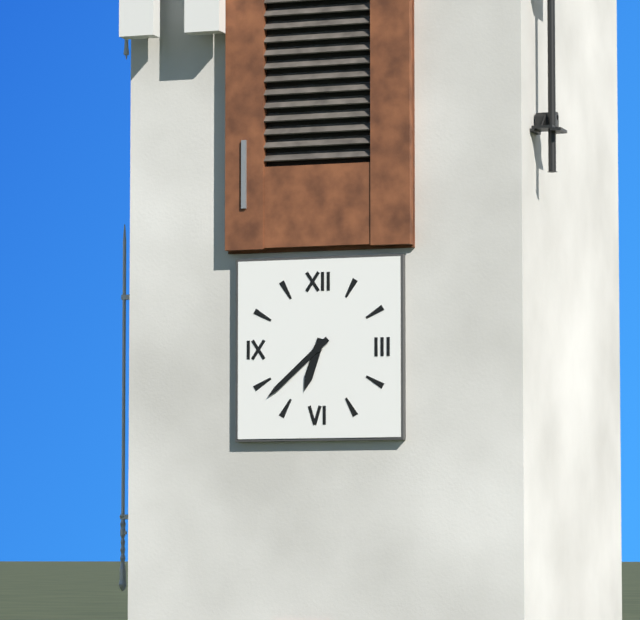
6:38
